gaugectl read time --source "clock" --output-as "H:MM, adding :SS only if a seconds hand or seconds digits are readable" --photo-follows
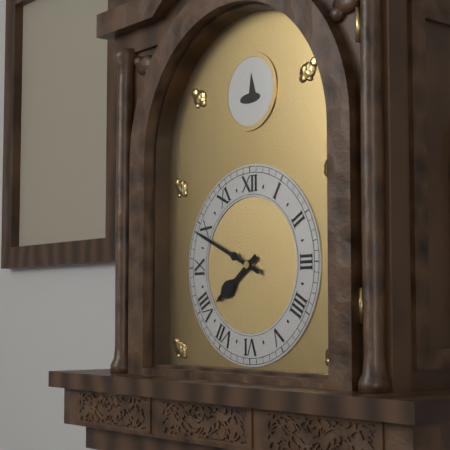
7:49
